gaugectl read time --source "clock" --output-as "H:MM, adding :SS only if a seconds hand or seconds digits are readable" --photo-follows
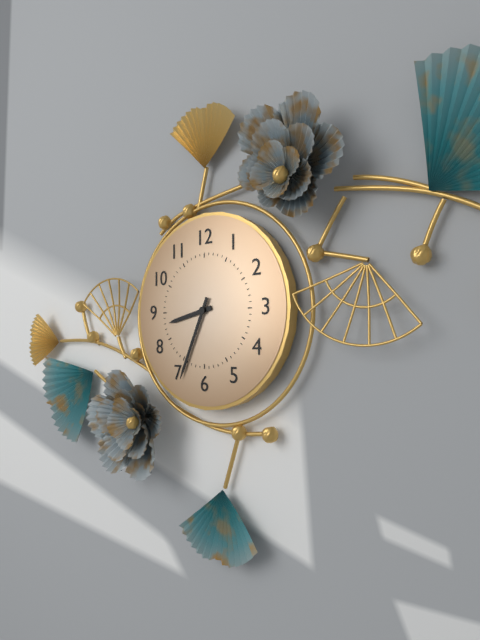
8:34
